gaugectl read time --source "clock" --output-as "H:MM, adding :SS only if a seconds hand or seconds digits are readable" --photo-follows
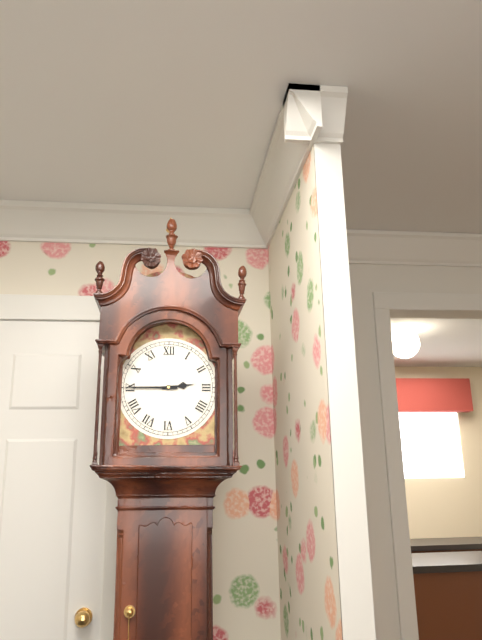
2:45
